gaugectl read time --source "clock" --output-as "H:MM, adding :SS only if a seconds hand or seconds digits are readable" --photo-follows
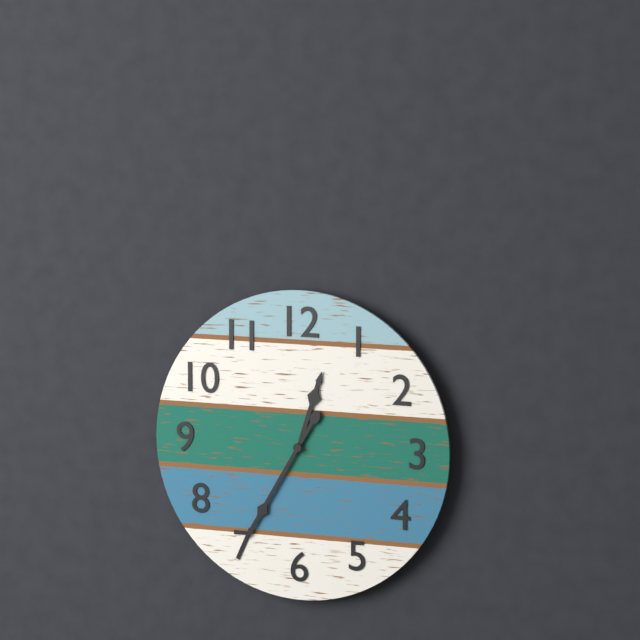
12:35
